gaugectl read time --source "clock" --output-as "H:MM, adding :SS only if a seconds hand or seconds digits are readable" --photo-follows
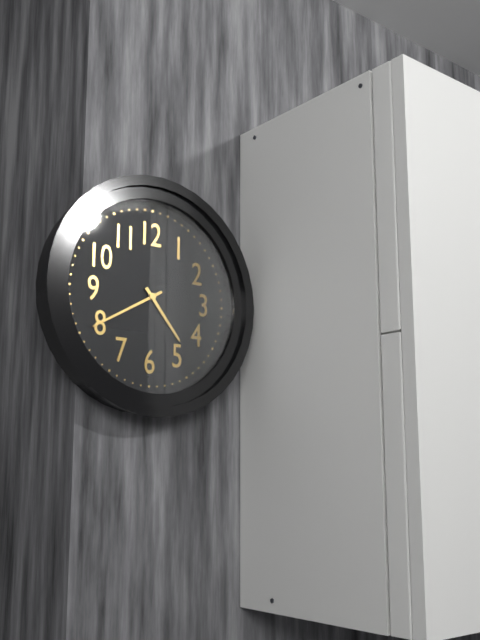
4:40
